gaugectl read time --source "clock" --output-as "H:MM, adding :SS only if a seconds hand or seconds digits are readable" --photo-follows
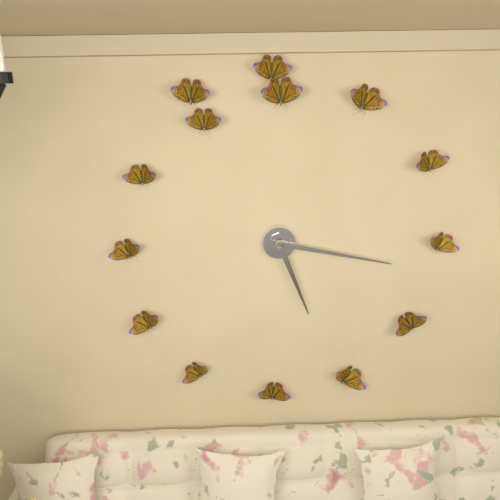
5:17
